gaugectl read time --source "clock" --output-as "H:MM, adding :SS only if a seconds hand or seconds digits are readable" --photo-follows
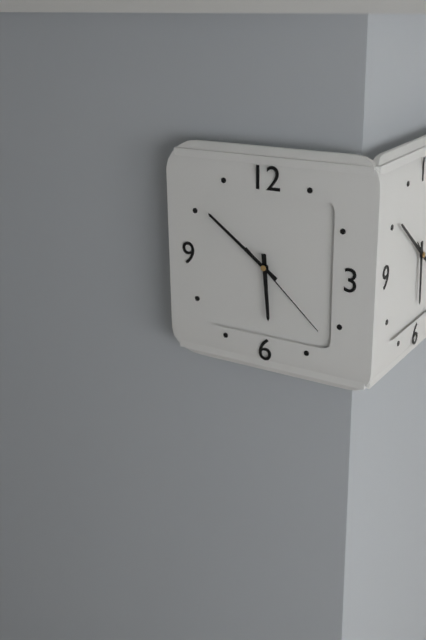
5:51:22
